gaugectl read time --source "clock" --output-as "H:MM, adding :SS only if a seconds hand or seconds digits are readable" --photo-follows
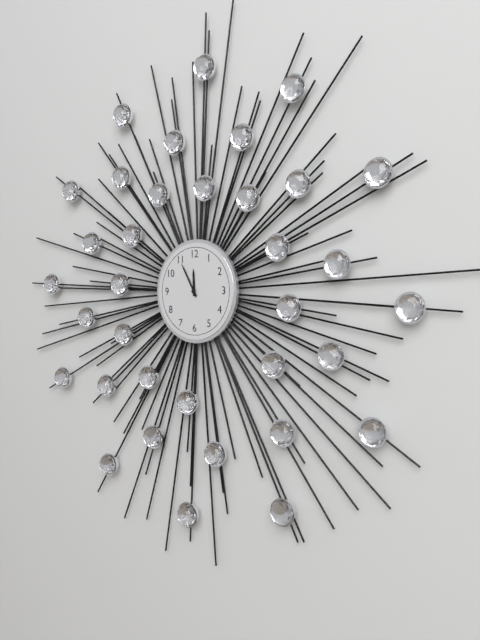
11:55
